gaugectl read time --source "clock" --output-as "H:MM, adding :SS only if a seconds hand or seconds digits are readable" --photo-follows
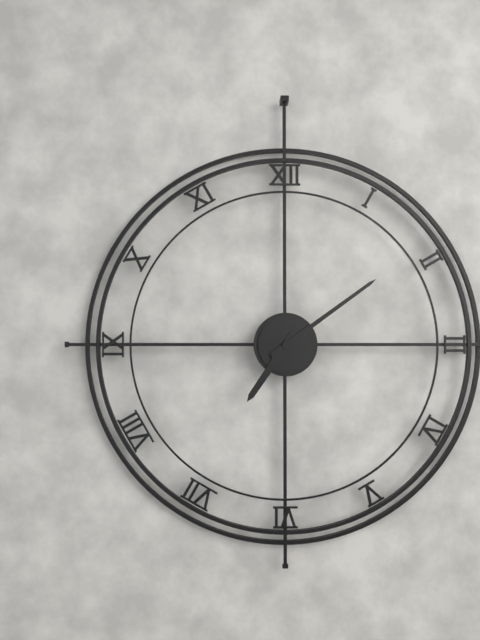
7:09
